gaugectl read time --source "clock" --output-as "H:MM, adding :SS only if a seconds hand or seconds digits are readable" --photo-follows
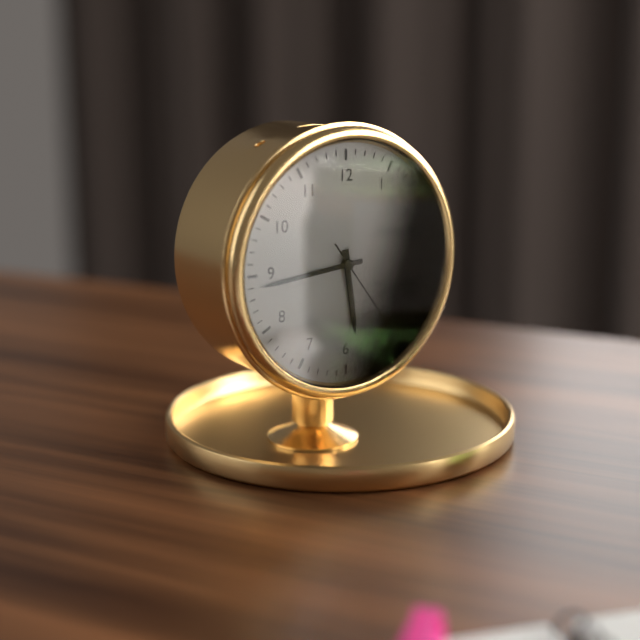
5:44:24
